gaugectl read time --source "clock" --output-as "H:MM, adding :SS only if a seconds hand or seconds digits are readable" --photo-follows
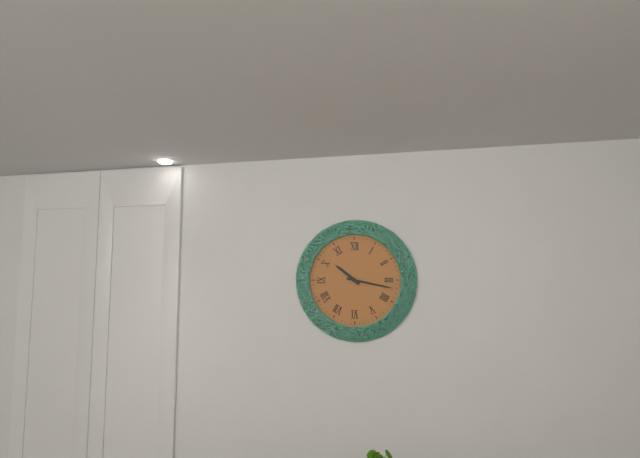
10:17
